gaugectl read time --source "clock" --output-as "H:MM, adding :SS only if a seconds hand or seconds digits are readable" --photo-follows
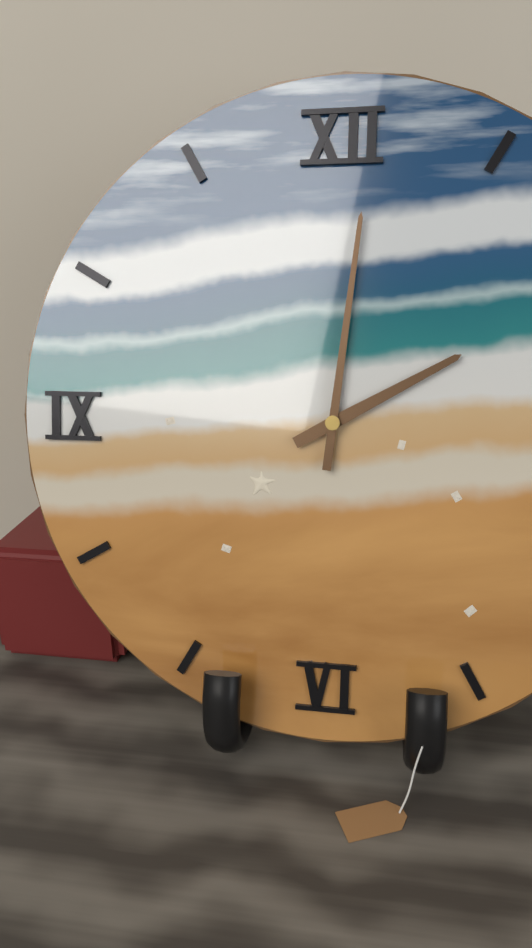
2:01
